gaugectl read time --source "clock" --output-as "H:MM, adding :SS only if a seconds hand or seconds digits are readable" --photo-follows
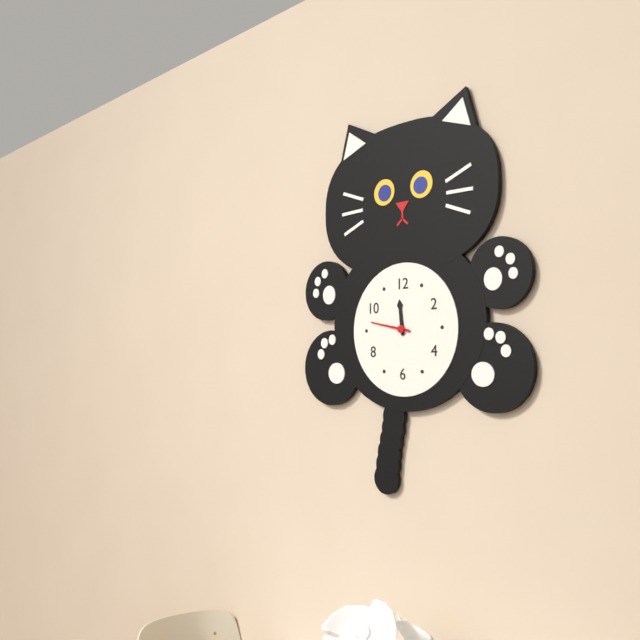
11:47
